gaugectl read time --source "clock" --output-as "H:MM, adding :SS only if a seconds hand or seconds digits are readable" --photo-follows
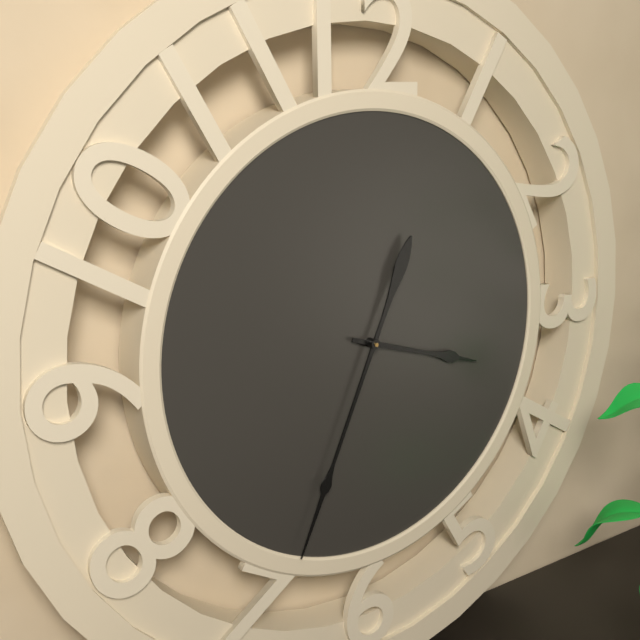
3:34
